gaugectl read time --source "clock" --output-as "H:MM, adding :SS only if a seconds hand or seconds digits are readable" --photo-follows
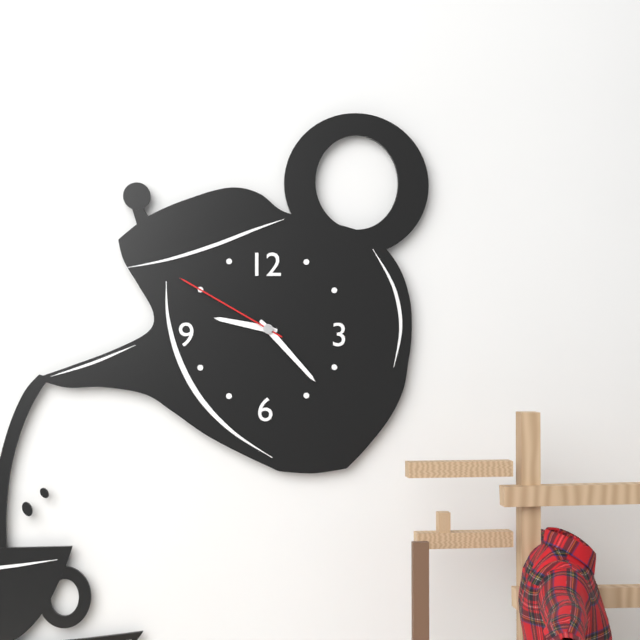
9:23:50
